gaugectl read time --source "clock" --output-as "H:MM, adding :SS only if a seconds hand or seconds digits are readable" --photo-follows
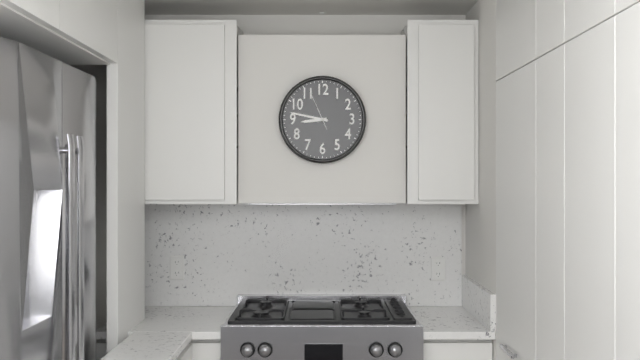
8:47
